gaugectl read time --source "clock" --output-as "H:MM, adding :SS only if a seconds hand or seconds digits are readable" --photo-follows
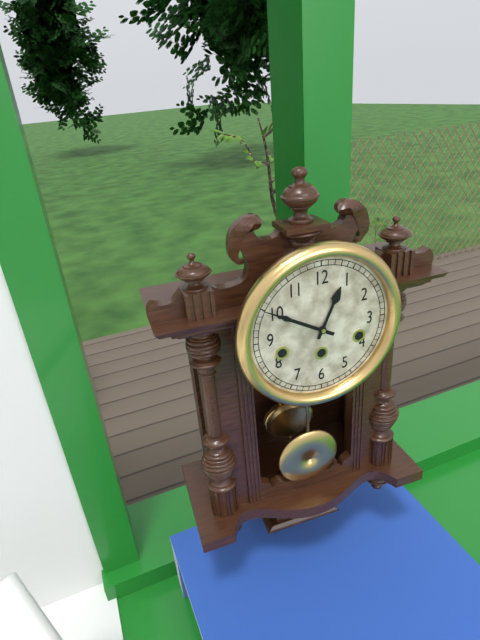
12:50
